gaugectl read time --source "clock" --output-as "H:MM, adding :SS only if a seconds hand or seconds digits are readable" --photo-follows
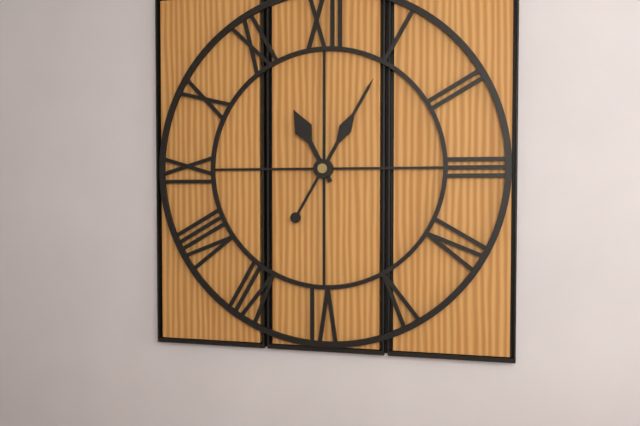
11:05
